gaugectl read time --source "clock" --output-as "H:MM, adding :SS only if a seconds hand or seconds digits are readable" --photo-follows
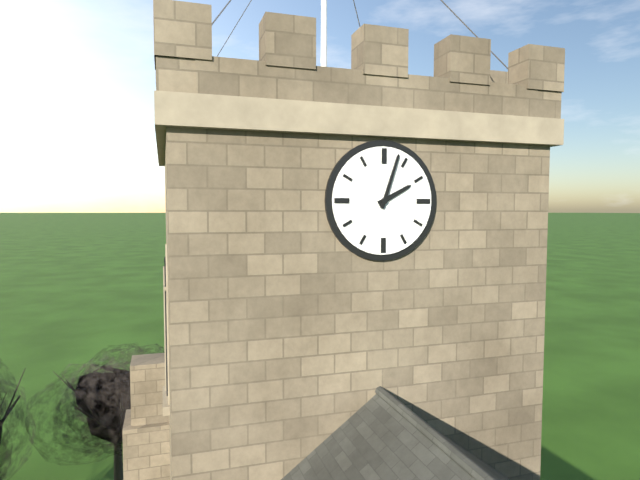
2:03
